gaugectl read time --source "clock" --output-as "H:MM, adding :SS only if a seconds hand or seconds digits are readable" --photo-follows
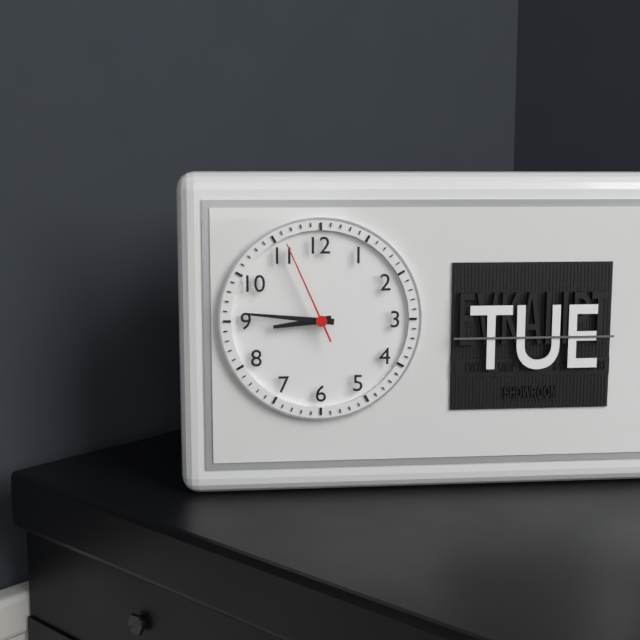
8:46:56
